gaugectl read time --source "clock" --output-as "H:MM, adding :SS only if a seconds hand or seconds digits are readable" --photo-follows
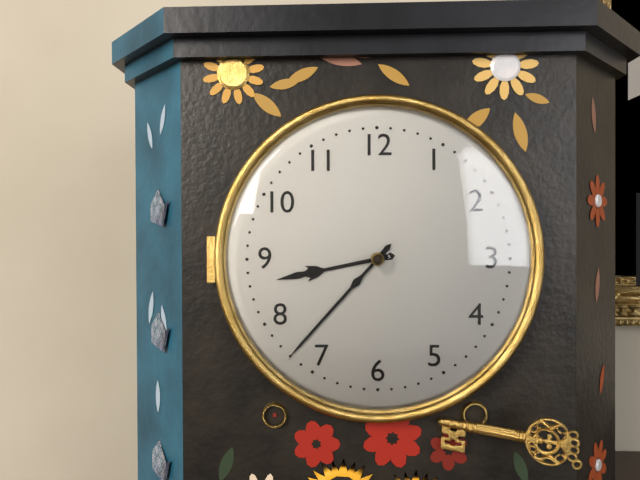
8:37
